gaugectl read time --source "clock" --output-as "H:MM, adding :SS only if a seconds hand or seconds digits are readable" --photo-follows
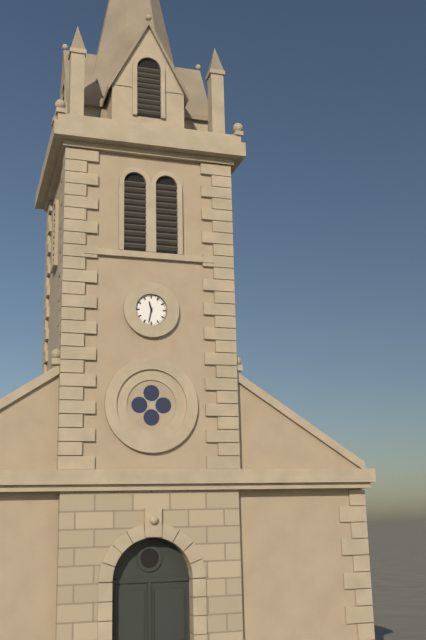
11:32
